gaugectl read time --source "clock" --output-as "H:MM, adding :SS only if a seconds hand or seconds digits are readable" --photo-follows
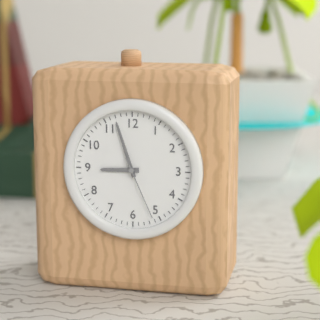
8:57:26
